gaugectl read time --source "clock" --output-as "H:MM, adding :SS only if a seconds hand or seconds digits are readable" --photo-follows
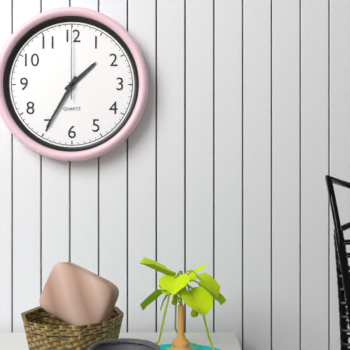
1:35:00
